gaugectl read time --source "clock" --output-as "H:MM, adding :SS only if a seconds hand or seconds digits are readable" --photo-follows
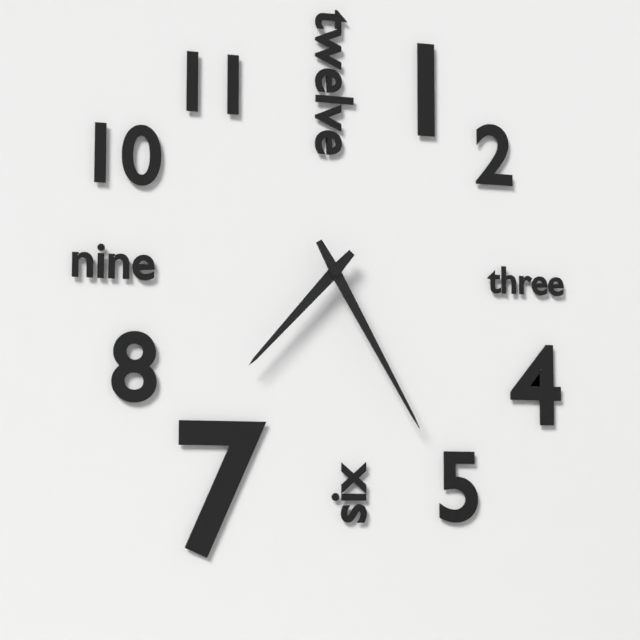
7:25
